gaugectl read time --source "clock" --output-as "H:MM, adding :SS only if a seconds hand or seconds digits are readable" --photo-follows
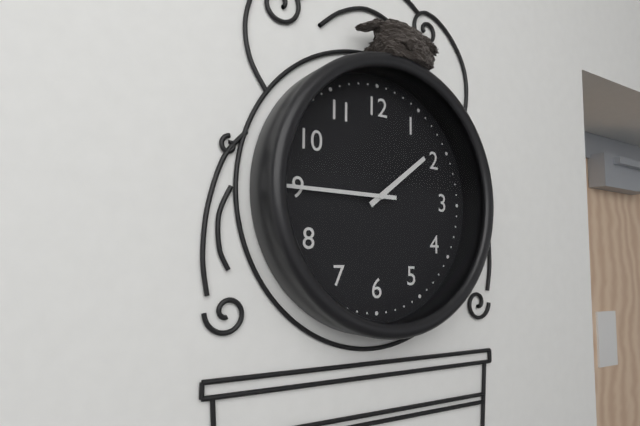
1:45
